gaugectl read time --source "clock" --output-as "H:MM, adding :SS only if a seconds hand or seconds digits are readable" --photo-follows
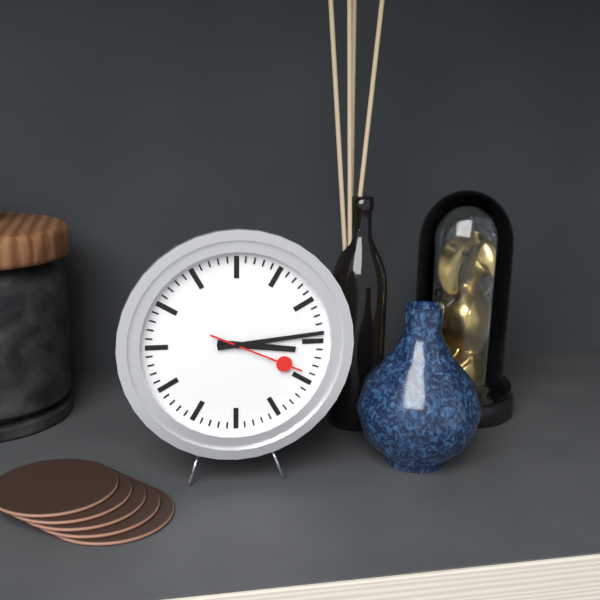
3:14:19
